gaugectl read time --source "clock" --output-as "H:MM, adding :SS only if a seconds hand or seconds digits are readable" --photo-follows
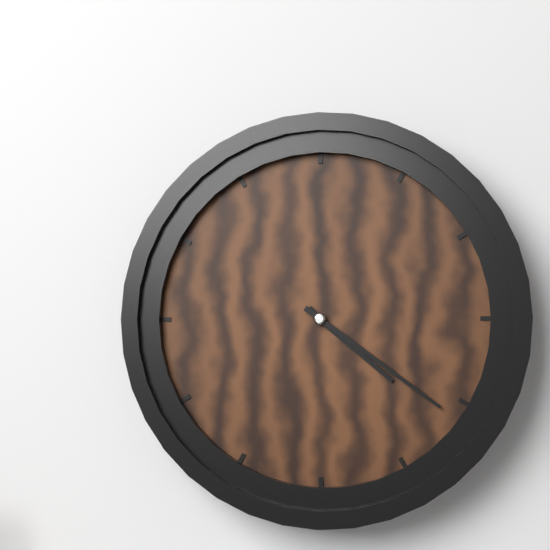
4:21
